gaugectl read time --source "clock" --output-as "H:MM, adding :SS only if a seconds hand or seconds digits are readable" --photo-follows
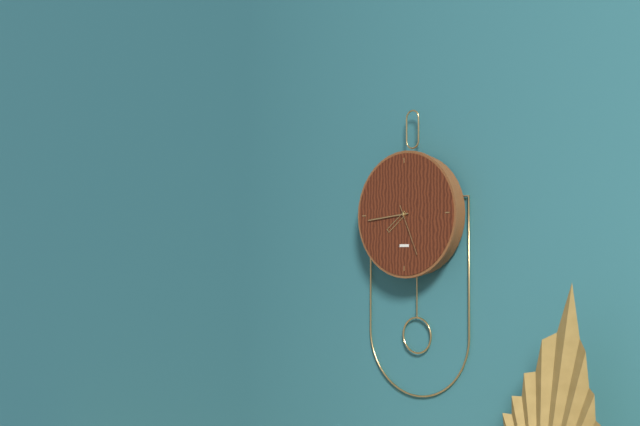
7:44:26
